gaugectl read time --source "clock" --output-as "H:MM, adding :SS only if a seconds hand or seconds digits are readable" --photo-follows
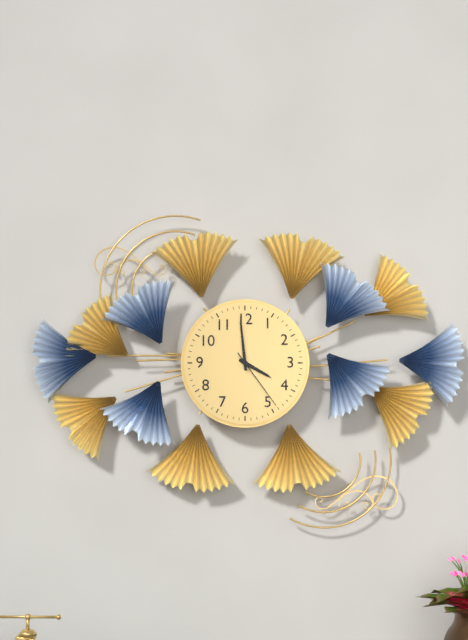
3:59:24
